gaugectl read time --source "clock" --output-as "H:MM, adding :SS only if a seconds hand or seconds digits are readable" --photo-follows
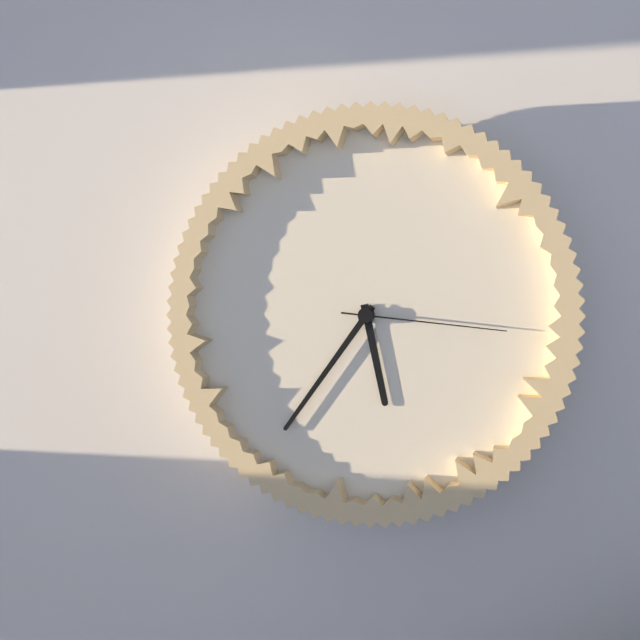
5:36:16
